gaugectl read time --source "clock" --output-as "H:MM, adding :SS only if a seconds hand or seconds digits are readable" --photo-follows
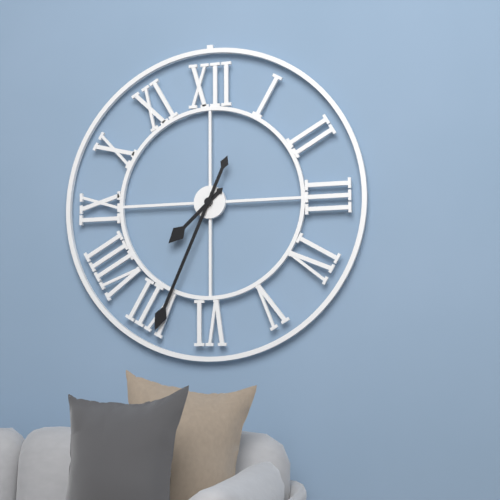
7:34
